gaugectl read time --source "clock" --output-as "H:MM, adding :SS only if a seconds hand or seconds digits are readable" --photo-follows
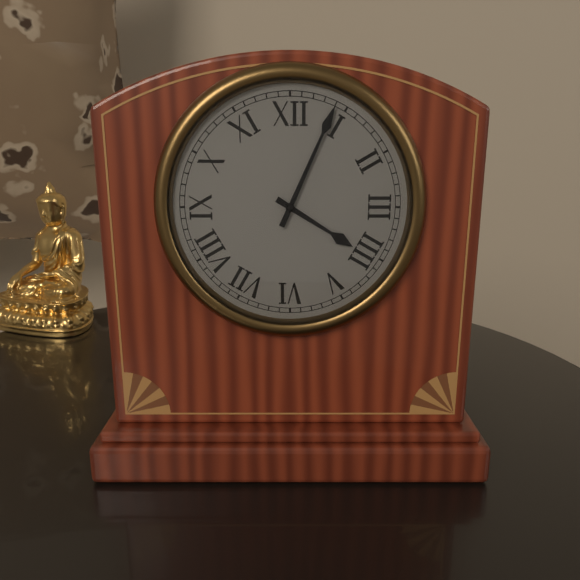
4:04
